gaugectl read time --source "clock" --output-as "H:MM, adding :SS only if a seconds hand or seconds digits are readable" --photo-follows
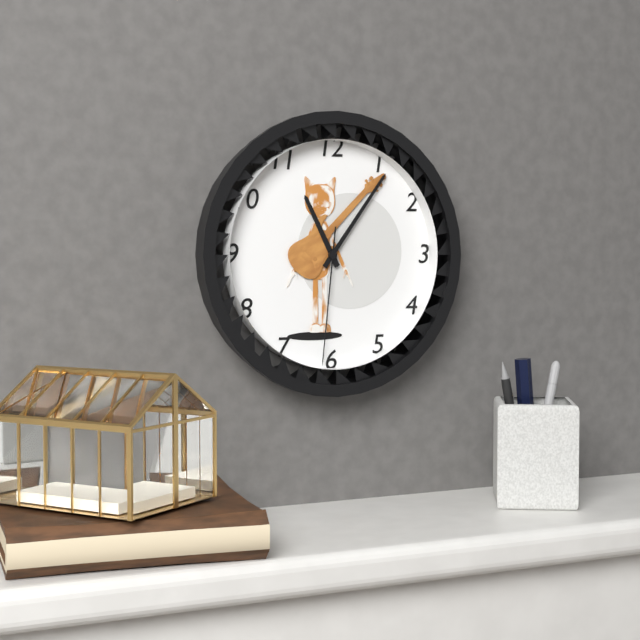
11:06:31
